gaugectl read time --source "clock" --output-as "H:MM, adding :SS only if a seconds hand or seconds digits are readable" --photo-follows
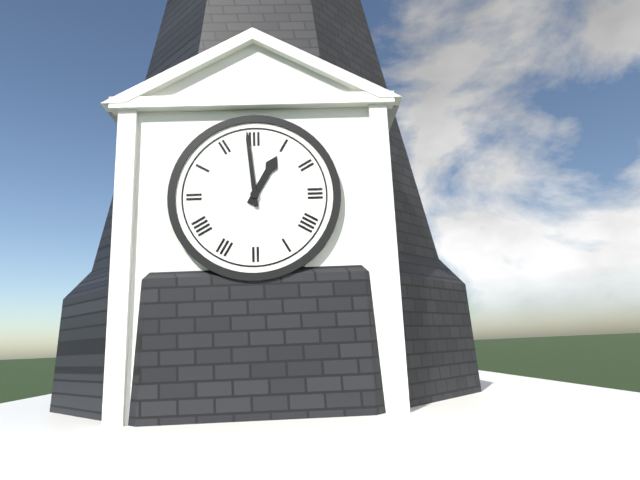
12:59
